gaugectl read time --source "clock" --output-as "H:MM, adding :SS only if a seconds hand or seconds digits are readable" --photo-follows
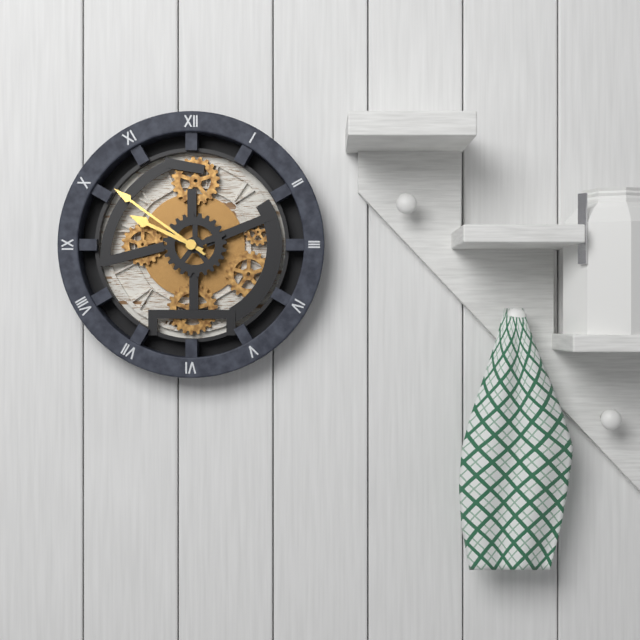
9:51
